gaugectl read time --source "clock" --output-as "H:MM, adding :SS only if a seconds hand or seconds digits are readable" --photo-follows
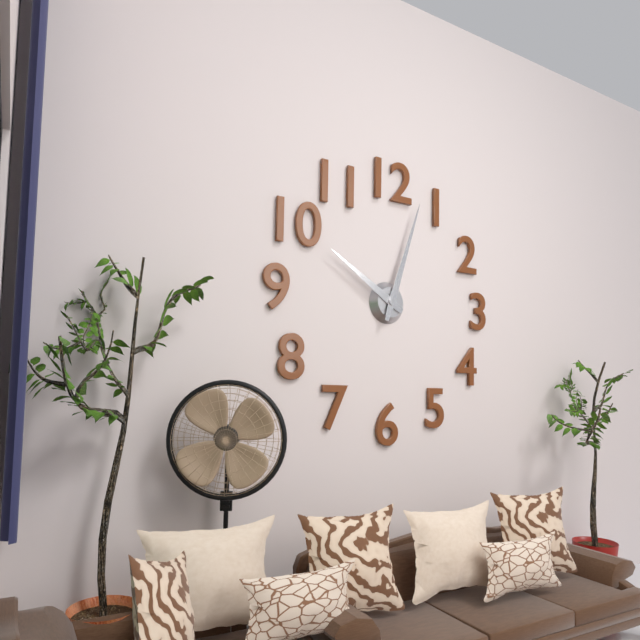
10:03
